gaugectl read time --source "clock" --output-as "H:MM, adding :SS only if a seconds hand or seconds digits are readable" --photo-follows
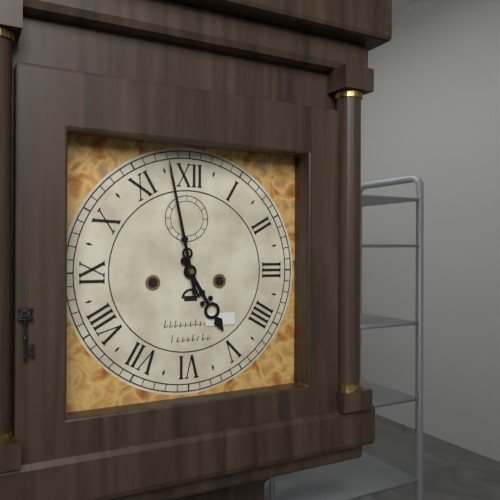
4:58
